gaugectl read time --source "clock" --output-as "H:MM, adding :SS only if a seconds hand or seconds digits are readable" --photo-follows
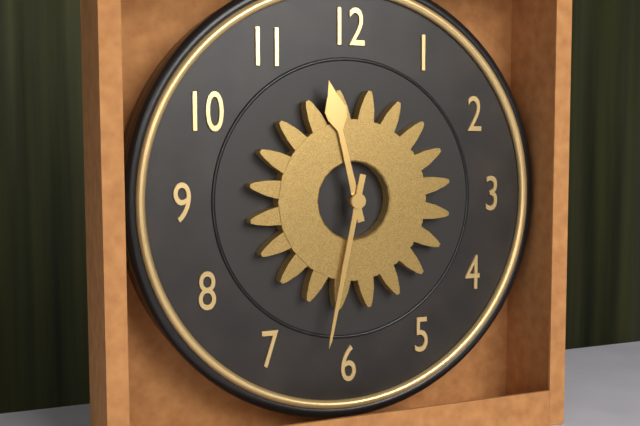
11:32
